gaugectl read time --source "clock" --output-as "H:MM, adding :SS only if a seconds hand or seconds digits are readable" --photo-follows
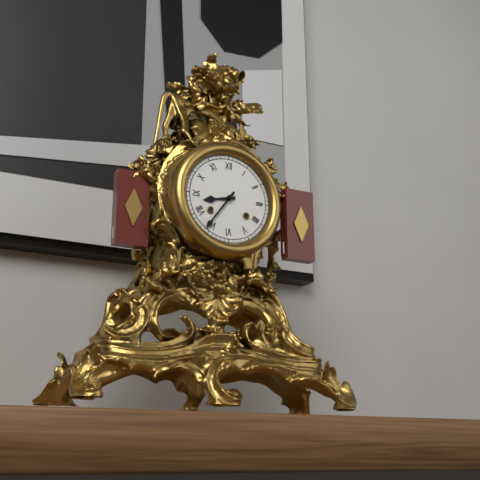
8:36
